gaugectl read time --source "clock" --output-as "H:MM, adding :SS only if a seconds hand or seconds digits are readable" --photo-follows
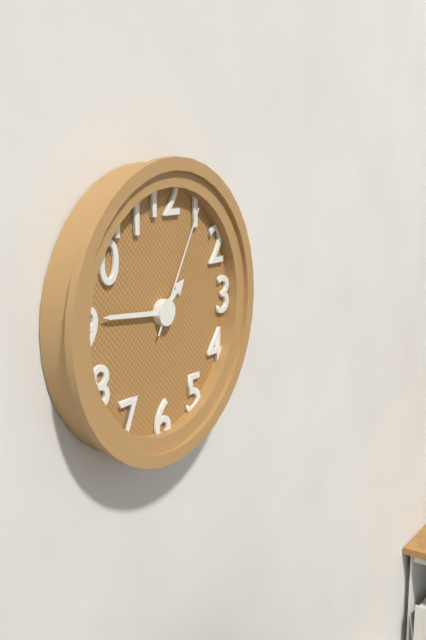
1:46:05
